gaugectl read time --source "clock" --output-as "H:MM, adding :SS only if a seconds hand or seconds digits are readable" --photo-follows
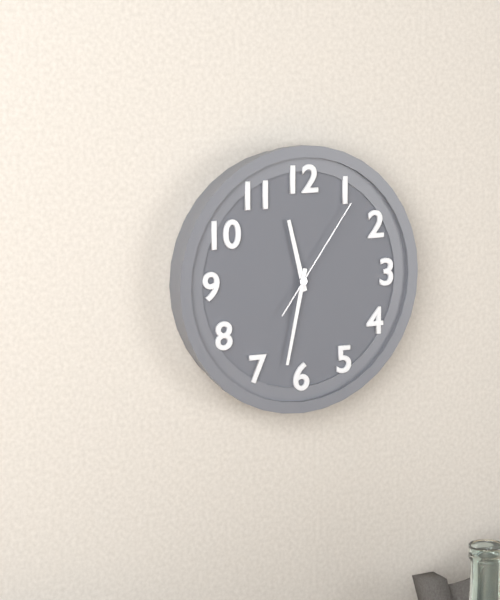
11:32:06
